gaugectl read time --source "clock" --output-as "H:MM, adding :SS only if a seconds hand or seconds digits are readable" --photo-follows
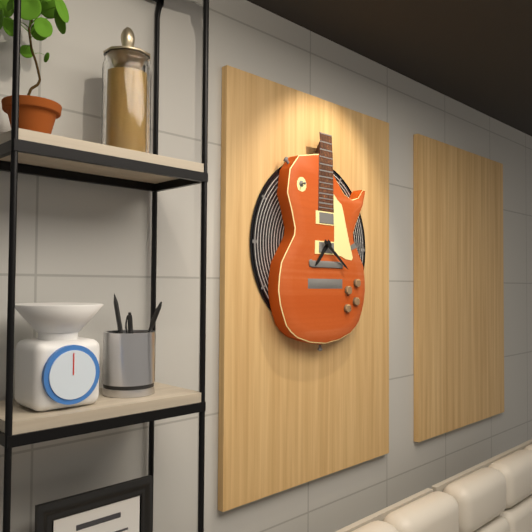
7:21
